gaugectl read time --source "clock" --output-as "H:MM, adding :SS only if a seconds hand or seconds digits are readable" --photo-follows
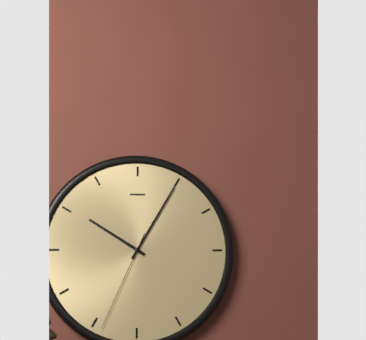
10:05:34
